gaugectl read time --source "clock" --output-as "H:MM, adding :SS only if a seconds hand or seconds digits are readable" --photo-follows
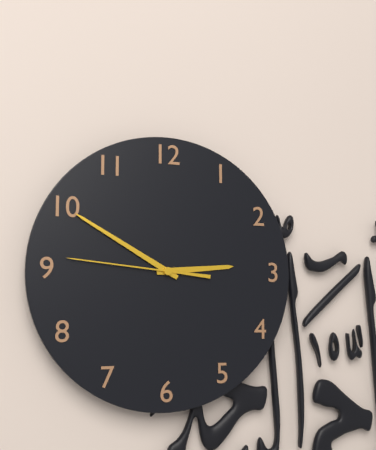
2:50:46
